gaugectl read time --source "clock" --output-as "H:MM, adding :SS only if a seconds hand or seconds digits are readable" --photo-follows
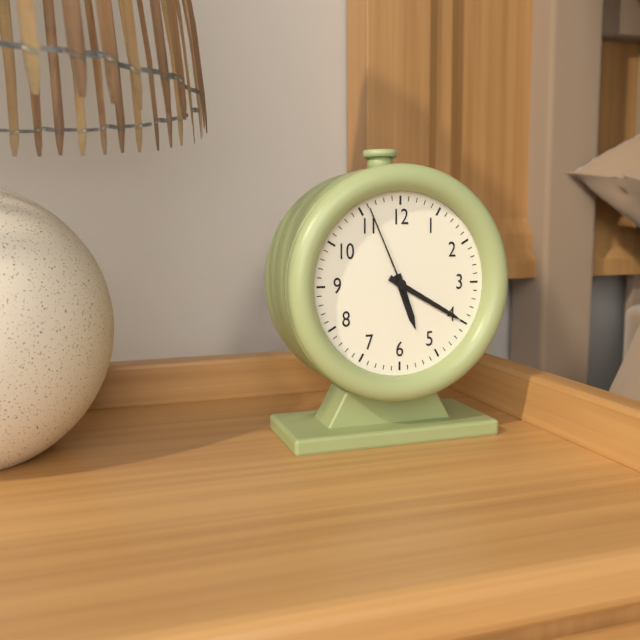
5:20:56
